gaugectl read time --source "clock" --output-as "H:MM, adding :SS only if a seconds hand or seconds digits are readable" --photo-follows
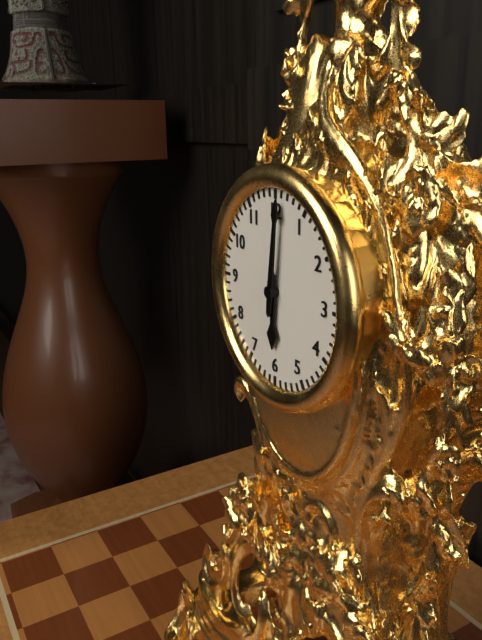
6:01
